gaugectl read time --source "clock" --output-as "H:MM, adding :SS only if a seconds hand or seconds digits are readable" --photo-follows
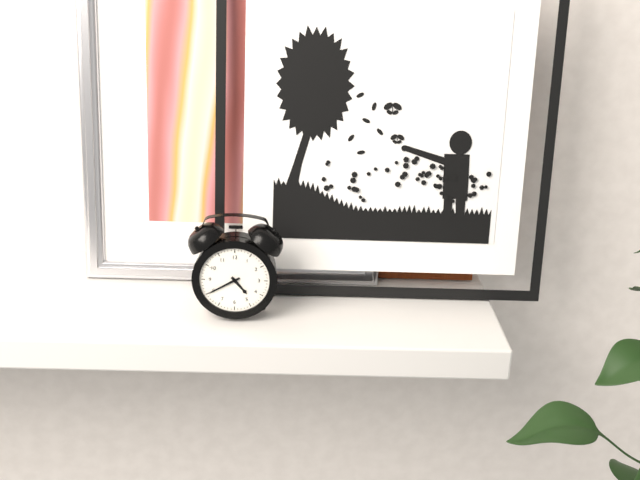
4:40
